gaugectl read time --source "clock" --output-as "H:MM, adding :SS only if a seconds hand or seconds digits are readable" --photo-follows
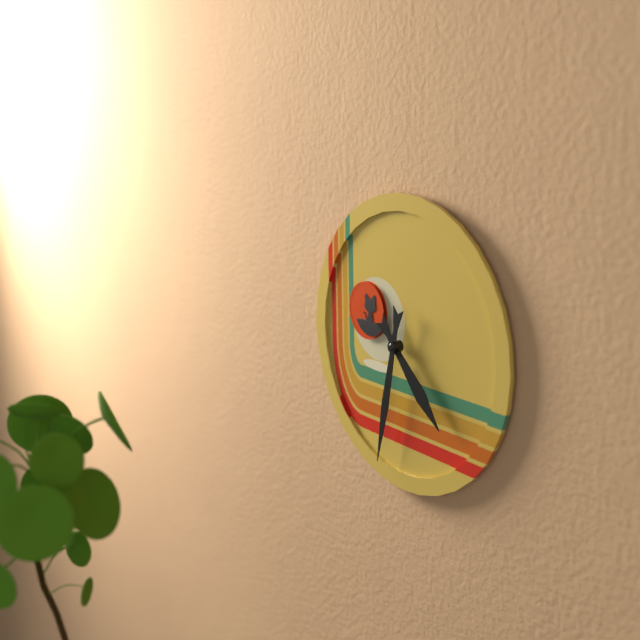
4:32
